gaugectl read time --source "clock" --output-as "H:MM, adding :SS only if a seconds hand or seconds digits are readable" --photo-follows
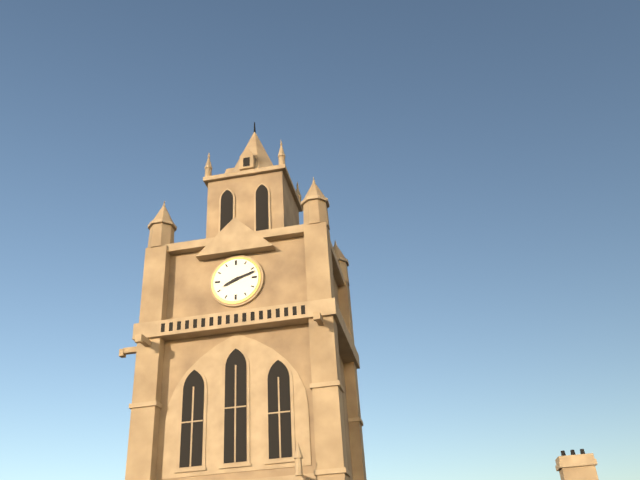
8:12
